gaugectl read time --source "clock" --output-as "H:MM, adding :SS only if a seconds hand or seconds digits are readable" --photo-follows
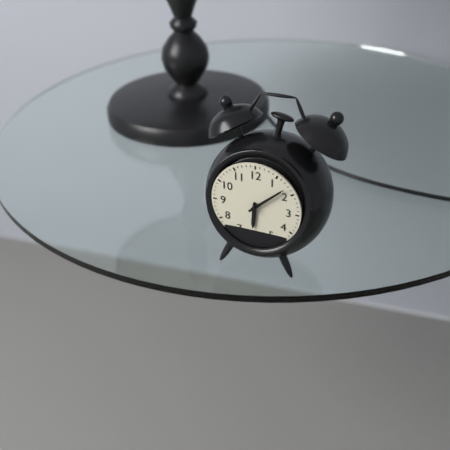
6:08
